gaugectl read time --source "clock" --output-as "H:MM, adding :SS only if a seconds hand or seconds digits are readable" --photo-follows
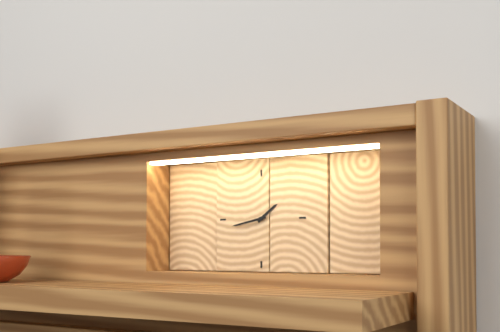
1:43
